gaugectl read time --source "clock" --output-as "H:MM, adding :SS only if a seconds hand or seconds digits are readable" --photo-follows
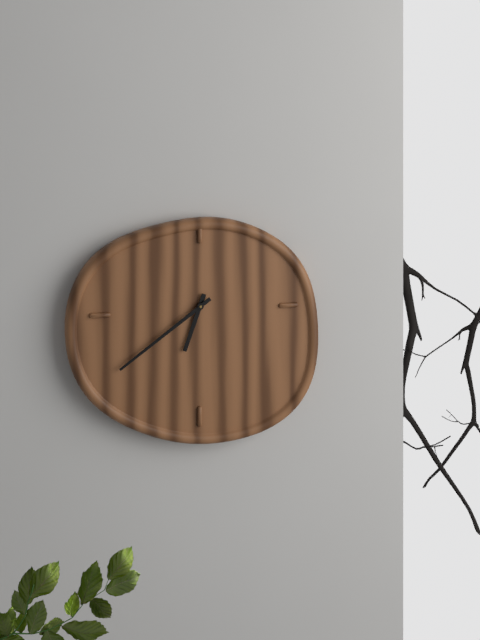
6:39
